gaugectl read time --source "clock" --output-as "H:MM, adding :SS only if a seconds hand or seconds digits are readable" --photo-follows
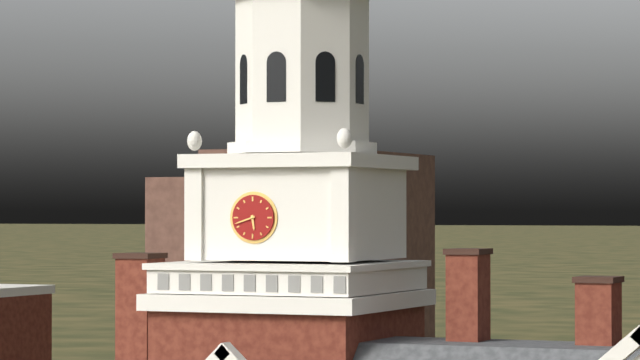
5:42
